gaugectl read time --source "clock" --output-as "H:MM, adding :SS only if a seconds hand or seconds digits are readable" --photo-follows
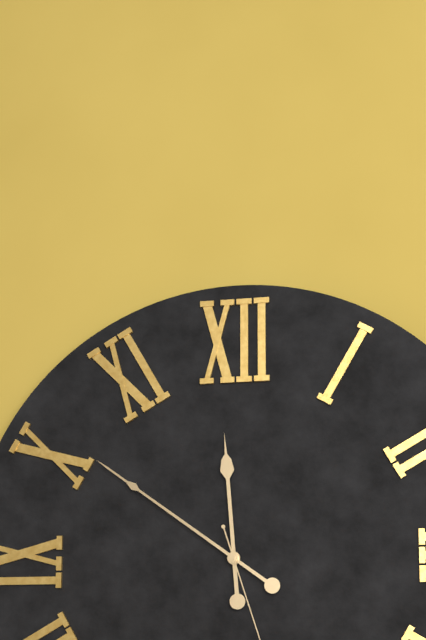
11:51
